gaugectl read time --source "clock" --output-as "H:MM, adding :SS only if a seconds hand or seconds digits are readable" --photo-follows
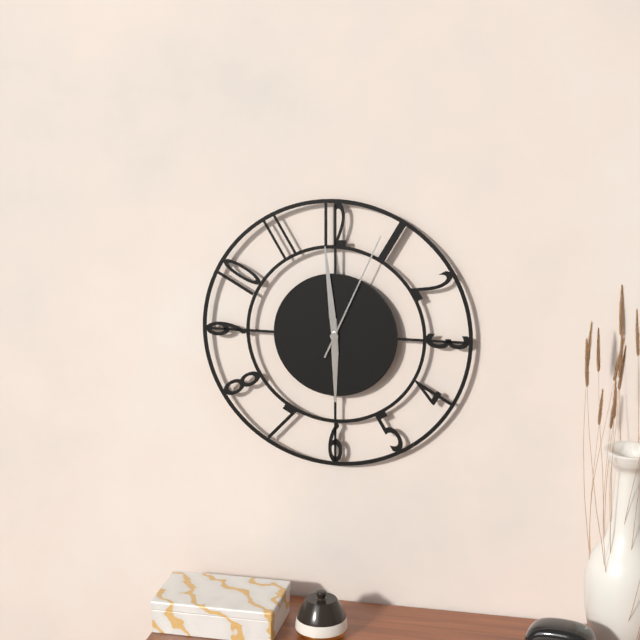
5:59:04
